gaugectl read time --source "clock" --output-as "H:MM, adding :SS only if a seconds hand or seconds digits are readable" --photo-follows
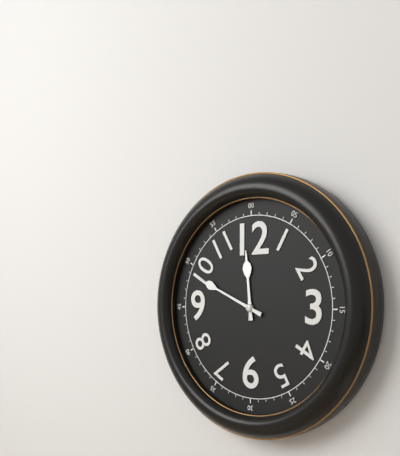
11:49
